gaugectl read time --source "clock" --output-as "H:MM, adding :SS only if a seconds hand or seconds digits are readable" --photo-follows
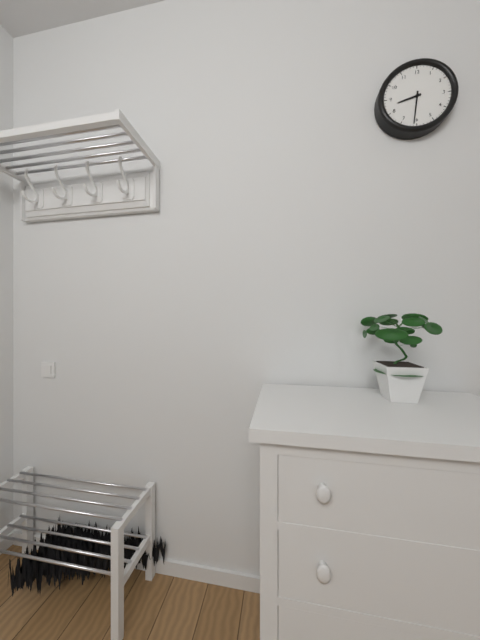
8:31
